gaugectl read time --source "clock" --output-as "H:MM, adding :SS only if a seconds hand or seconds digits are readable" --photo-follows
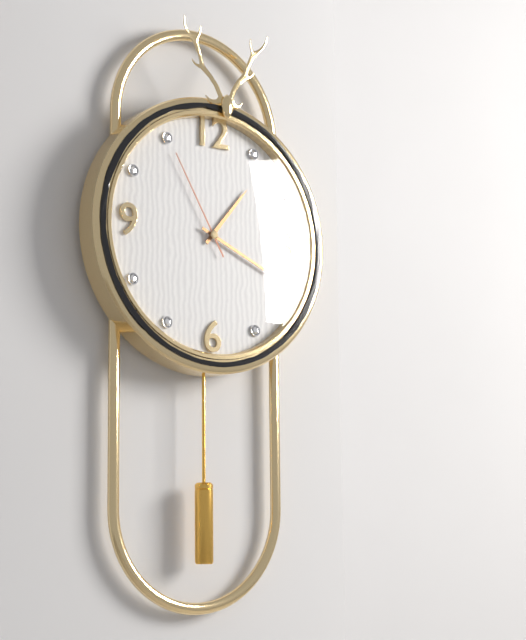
1:19:55
